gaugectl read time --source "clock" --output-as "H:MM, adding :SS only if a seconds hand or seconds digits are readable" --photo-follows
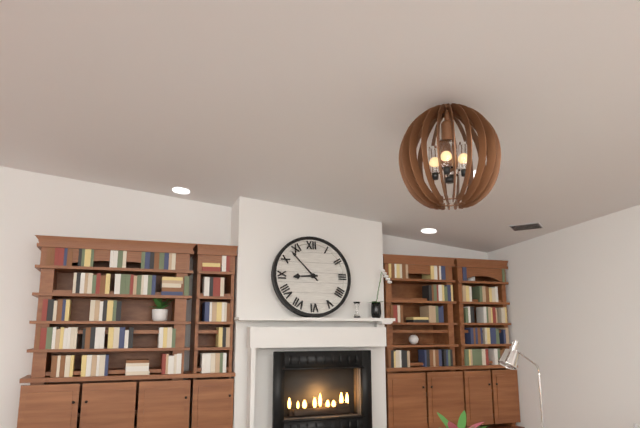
8:53
